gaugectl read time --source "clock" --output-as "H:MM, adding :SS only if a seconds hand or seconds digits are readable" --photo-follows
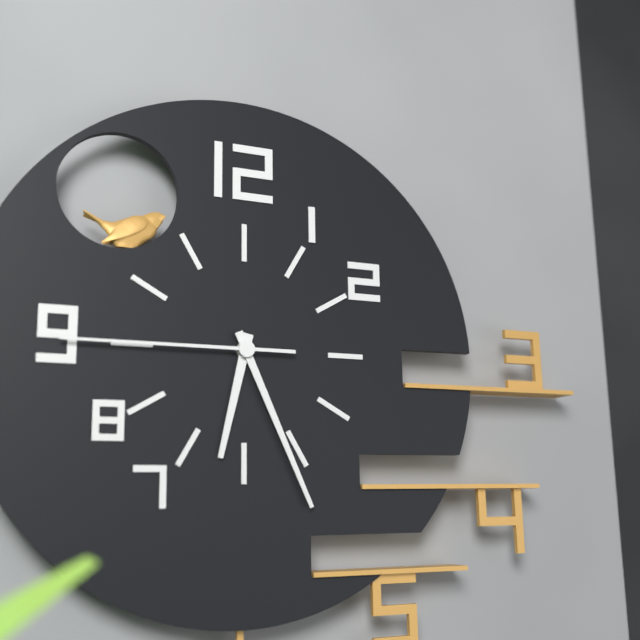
6:26:45
